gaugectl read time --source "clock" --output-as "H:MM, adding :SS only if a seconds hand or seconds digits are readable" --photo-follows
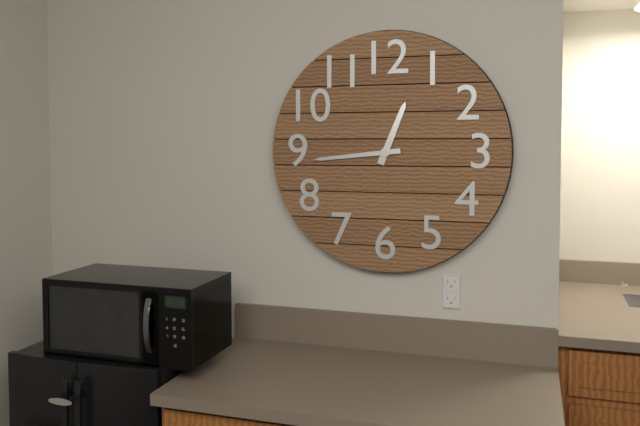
12:44
